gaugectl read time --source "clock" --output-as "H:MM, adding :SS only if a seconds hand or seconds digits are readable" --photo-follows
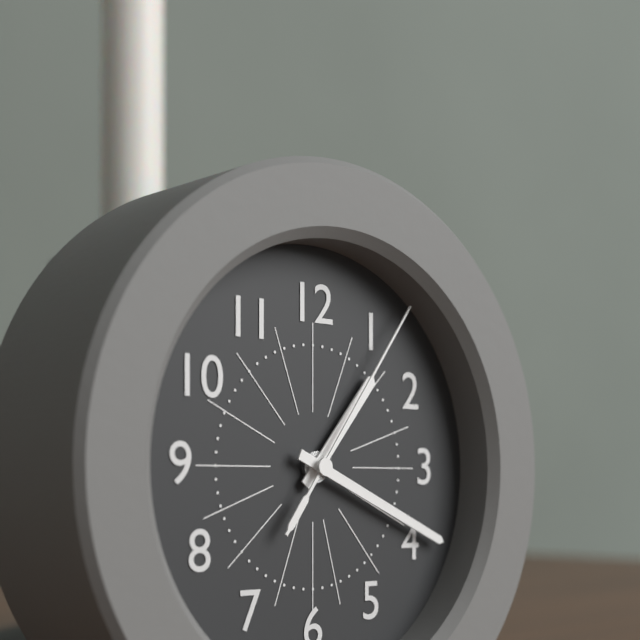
1:19:06
